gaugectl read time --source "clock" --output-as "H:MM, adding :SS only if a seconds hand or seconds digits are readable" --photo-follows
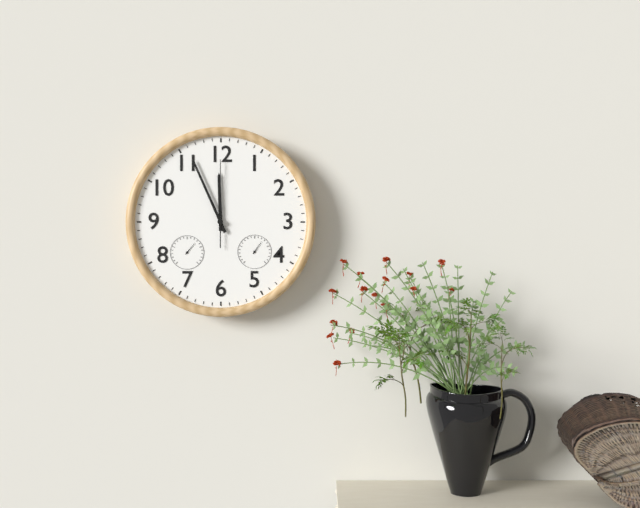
11:56:00
